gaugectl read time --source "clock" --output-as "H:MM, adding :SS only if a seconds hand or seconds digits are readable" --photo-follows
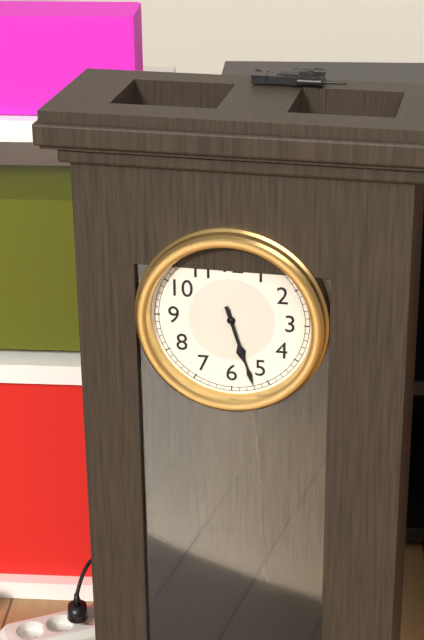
5:27
